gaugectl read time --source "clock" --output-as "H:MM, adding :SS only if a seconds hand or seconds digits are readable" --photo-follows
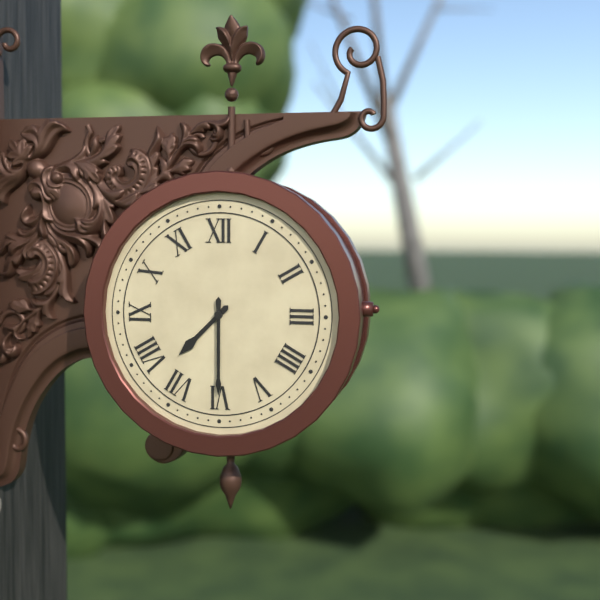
7:30
